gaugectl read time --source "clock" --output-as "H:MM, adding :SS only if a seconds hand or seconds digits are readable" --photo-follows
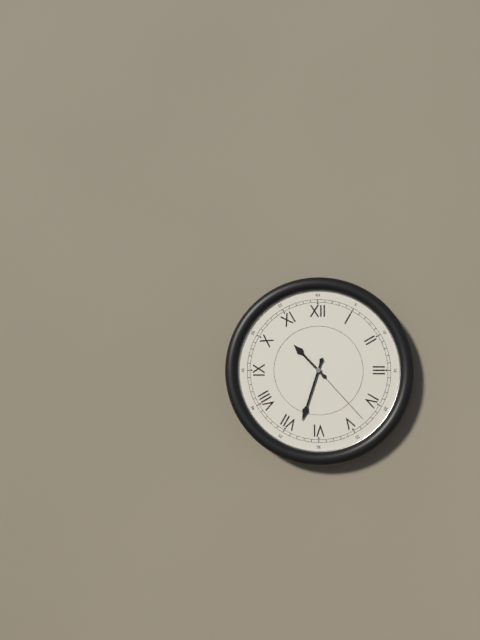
10:33:23
